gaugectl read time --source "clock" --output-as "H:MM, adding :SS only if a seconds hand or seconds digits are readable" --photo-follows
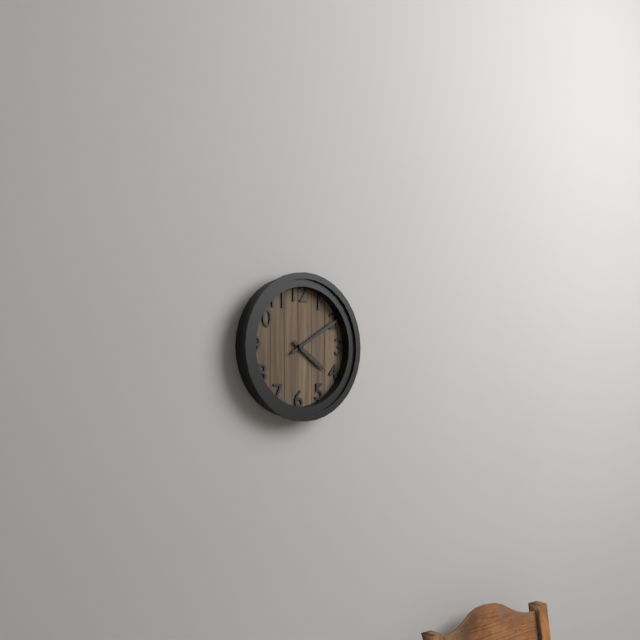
4:10
